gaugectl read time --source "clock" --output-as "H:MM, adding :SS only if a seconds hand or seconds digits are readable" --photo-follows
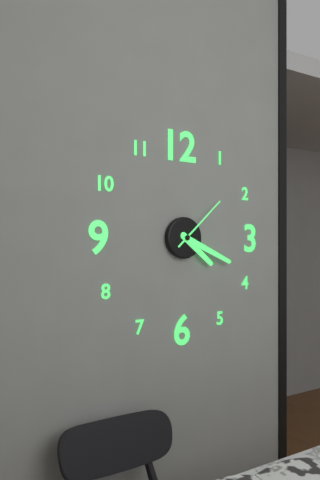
4:19:08
